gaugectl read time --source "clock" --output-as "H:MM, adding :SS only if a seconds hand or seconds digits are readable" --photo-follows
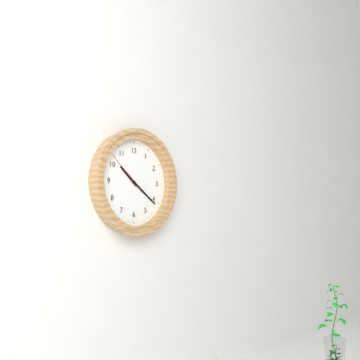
10:21
